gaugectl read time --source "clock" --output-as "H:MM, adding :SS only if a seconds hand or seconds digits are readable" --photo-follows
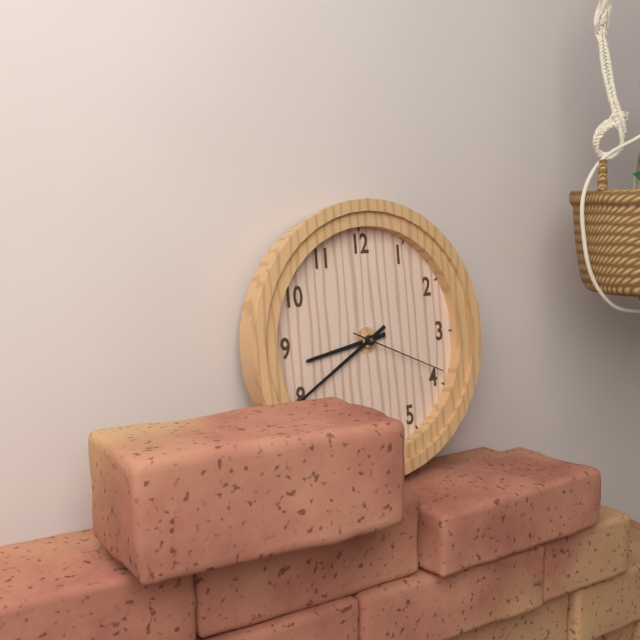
8:40:19
